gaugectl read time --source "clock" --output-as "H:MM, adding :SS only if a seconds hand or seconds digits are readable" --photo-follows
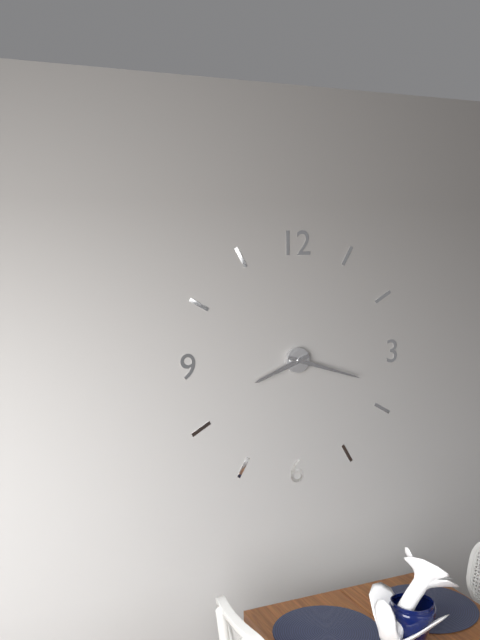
8:18
